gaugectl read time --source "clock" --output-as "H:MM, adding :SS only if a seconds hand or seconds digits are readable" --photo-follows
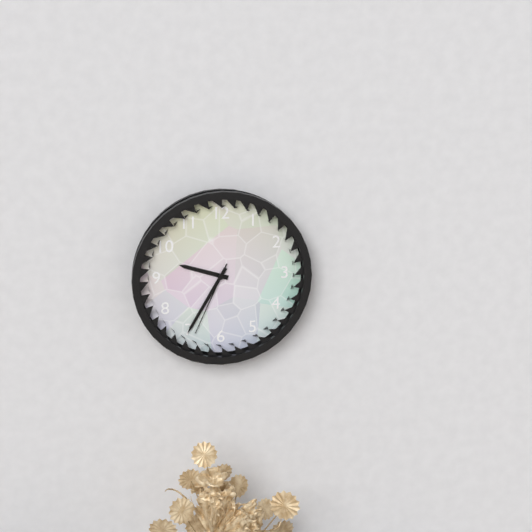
9:35:34
